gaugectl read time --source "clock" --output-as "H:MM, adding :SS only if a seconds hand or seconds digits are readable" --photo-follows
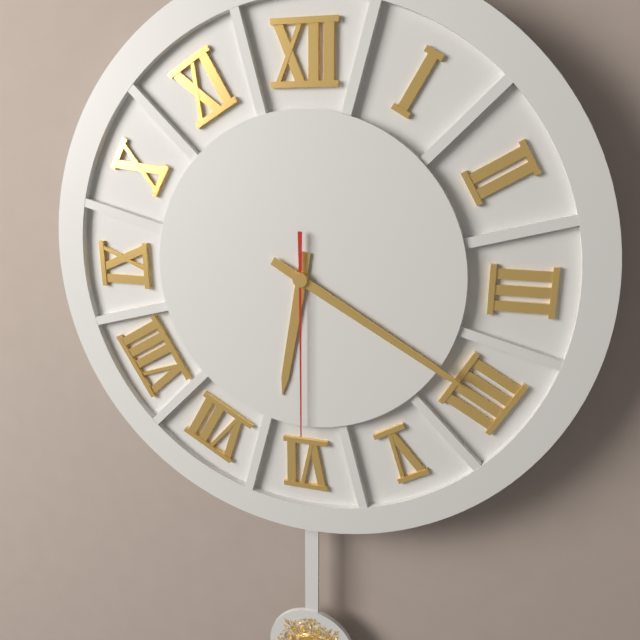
6:20:30
